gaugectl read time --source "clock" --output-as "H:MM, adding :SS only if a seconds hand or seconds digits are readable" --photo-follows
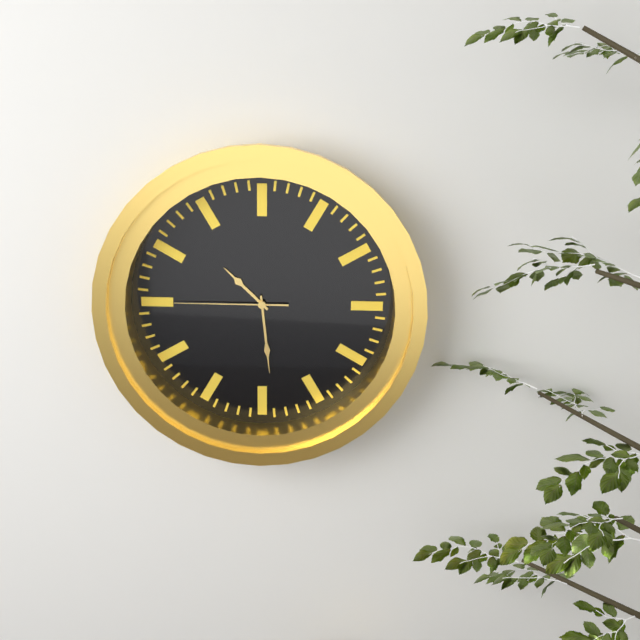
10:29:45
